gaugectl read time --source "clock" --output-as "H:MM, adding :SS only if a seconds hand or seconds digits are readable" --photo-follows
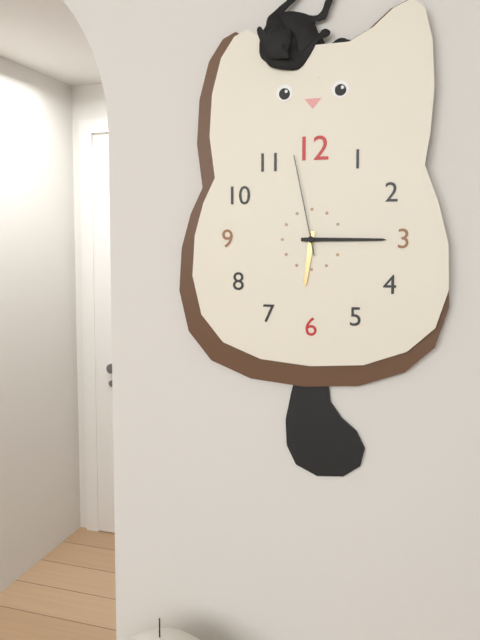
6:15:58
